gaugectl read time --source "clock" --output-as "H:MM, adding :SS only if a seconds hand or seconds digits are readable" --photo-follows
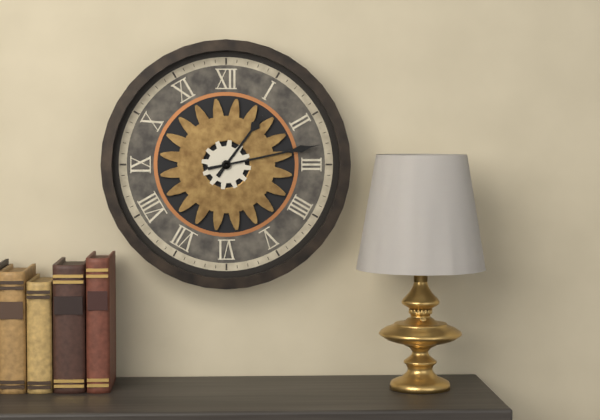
1:13
